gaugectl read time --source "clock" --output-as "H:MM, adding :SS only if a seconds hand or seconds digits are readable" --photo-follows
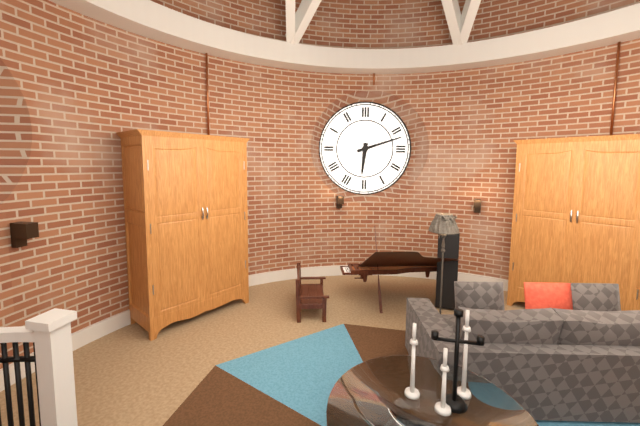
6:12
